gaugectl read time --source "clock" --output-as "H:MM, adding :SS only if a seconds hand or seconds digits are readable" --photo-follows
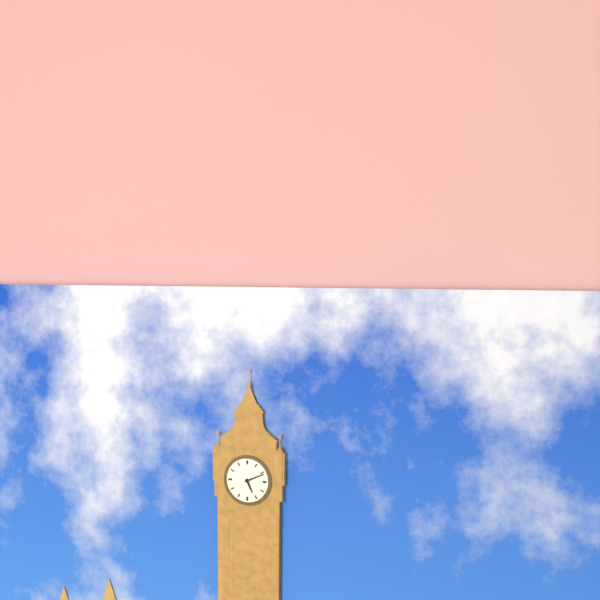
5:11
